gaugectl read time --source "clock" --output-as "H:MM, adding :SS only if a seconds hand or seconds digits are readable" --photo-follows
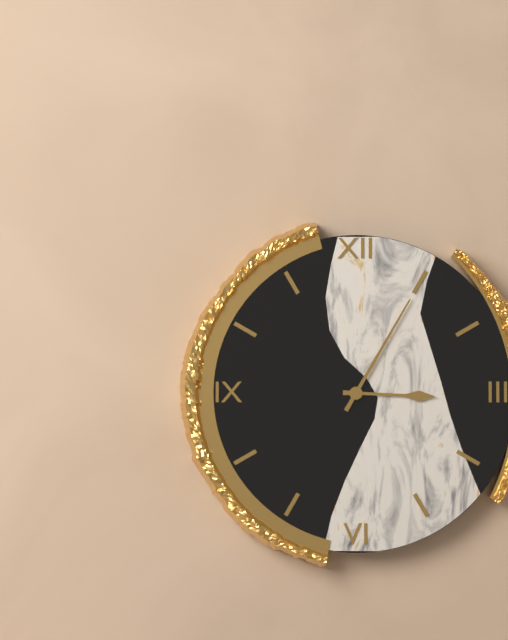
3:05
